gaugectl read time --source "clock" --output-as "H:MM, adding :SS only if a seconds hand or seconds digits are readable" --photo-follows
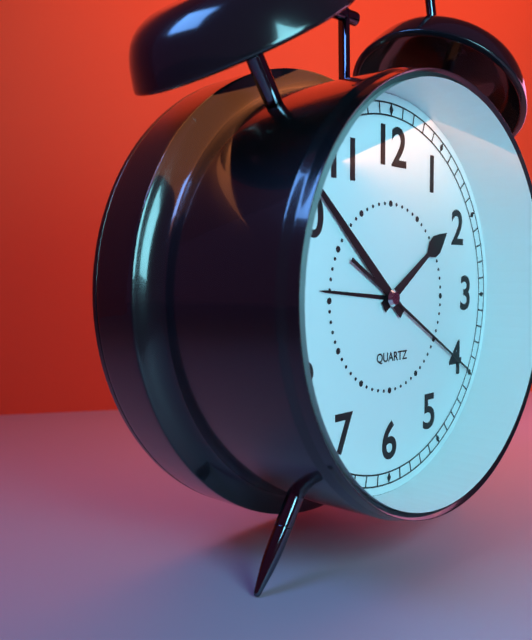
1:52:20
